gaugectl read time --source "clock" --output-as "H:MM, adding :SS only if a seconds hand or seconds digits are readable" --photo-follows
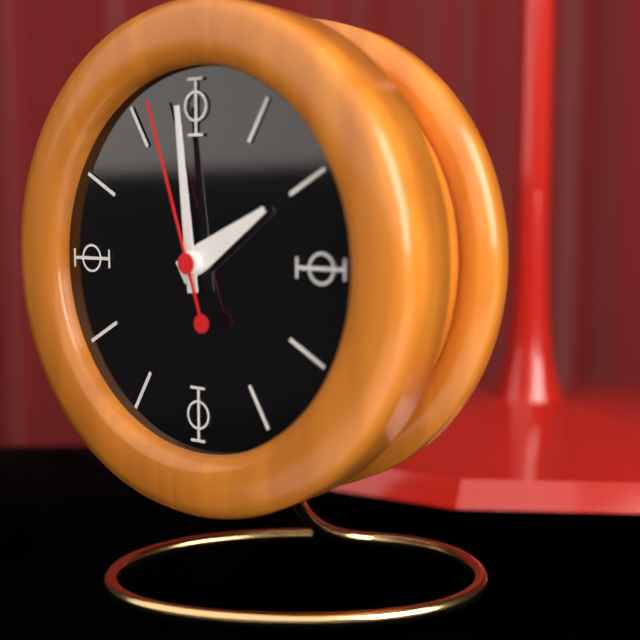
1:59:57
